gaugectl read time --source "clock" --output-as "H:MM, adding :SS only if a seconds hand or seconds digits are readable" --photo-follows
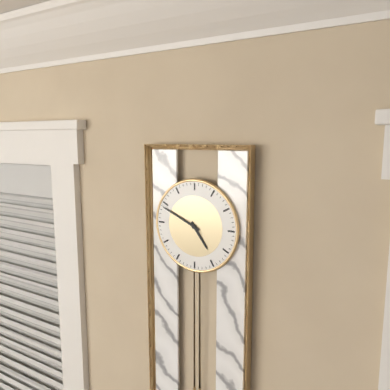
4:49
